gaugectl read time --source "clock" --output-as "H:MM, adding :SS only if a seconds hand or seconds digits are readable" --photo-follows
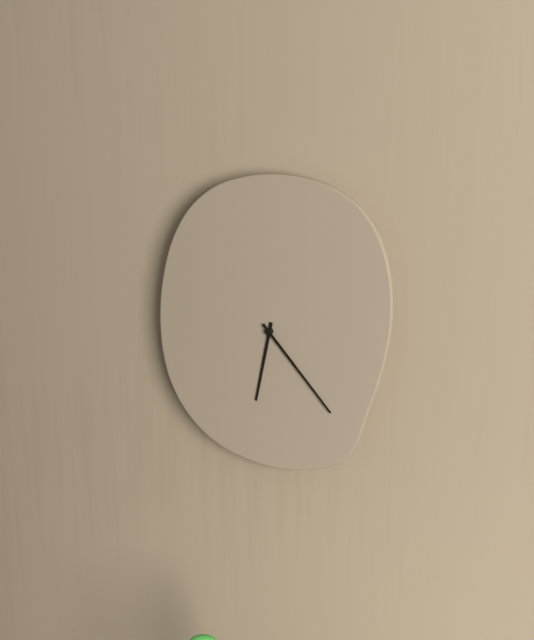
6:23
